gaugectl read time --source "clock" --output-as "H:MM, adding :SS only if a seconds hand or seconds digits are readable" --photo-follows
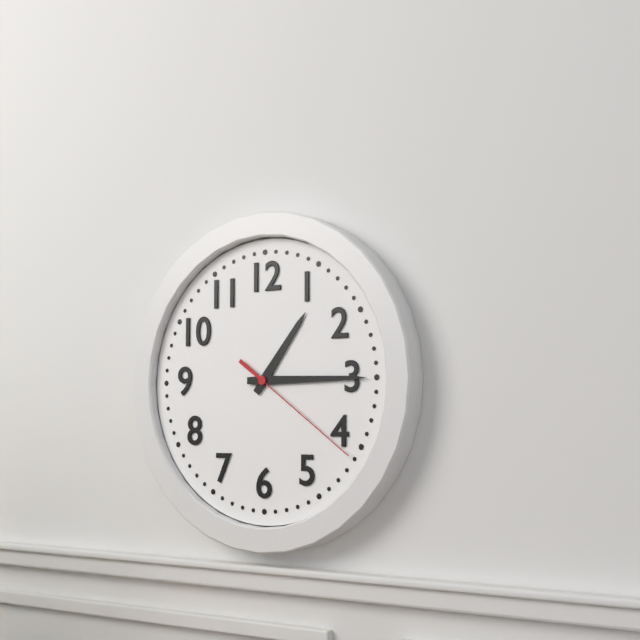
1:15:21
